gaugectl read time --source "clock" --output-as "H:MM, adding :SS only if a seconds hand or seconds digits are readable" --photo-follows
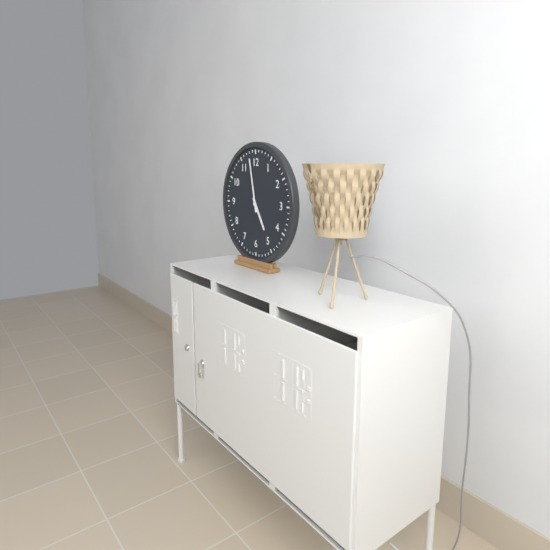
4:58
